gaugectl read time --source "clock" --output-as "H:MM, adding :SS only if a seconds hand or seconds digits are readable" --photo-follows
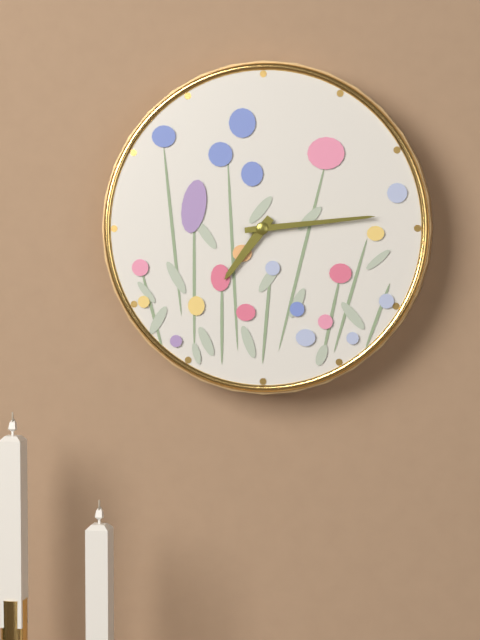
7:14
